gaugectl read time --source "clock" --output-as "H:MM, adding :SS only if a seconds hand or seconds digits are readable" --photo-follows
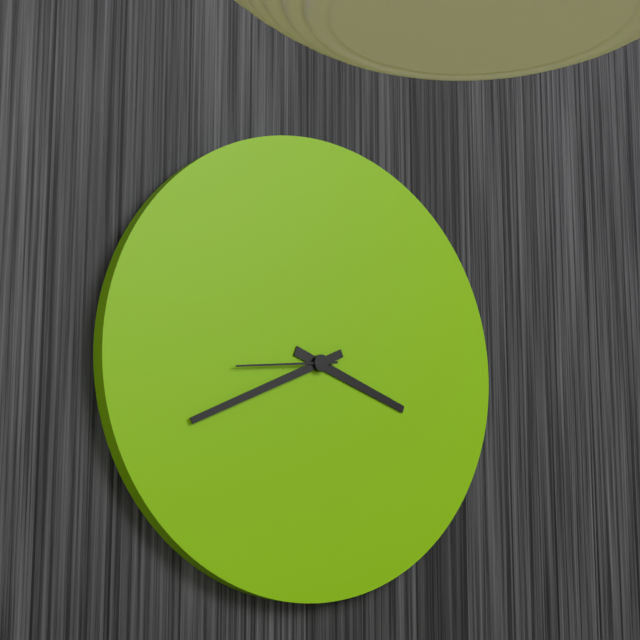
3:41:44
